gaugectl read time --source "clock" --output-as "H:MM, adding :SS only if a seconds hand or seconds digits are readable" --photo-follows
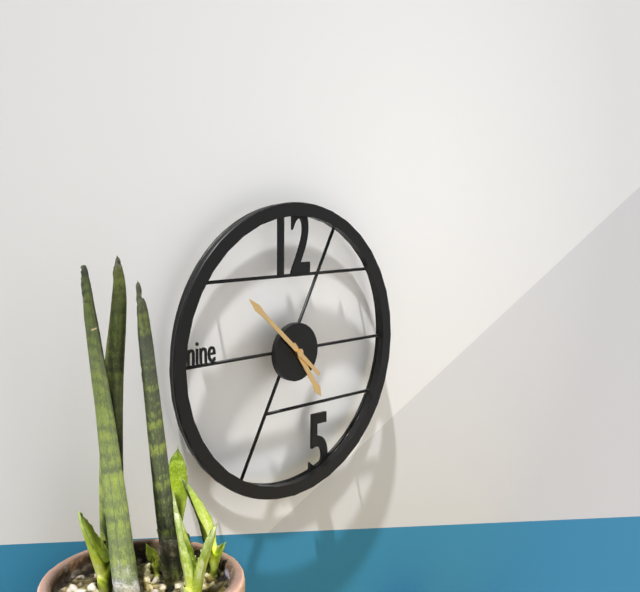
4:52
